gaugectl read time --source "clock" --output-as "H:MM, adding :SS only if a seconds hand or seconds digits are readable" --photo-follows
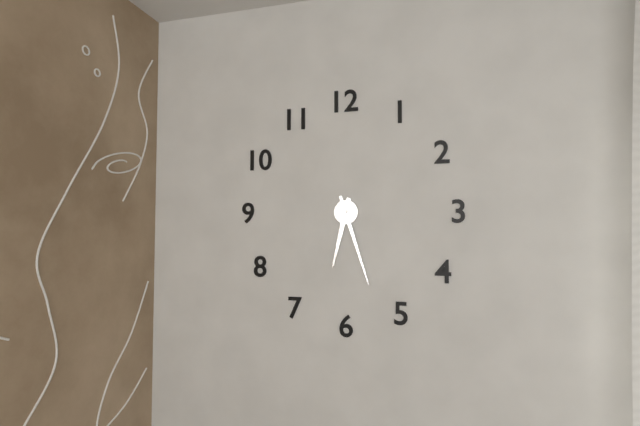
6:27
